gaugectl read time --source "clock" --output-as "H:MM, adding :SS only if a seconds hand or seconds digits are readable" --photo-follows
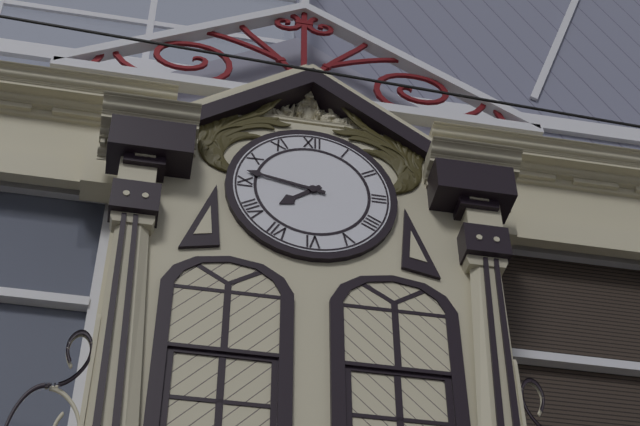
7:47
